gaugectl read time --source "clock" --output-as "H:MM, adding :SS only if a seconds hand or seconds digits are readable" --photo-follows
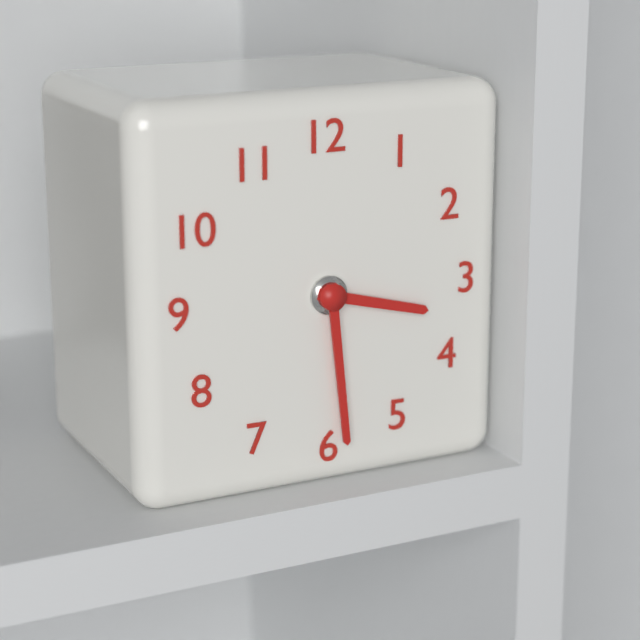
3:29
